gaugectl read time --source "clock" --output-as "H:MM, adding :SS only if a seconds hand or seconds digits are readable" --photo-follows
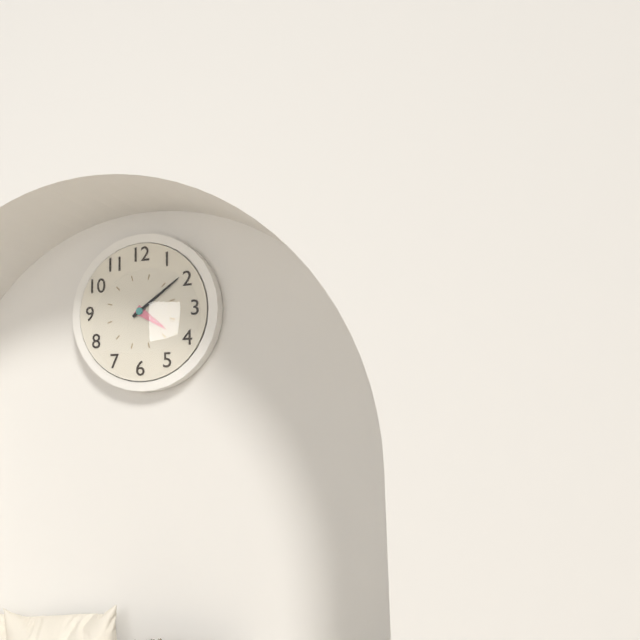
4:09
